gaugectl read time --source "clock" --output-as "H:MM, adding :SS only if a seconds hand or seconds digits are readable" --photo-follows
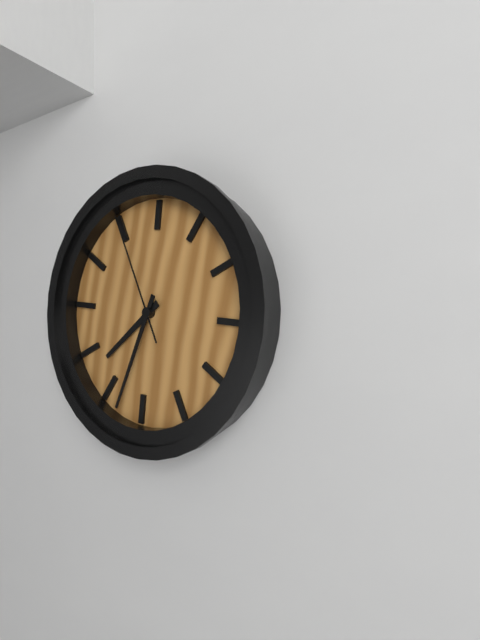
7:33:55
